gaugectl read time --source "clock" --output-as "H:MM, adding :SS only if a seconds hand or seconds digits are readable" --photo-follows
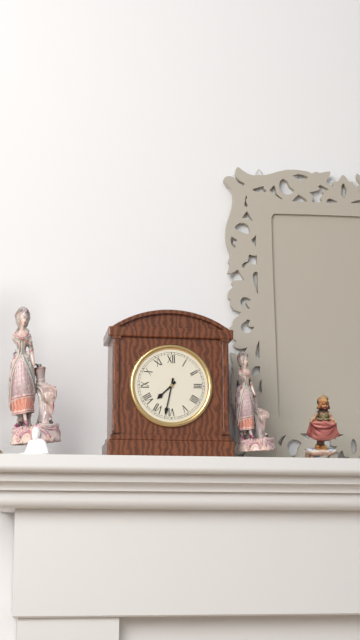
7:32
